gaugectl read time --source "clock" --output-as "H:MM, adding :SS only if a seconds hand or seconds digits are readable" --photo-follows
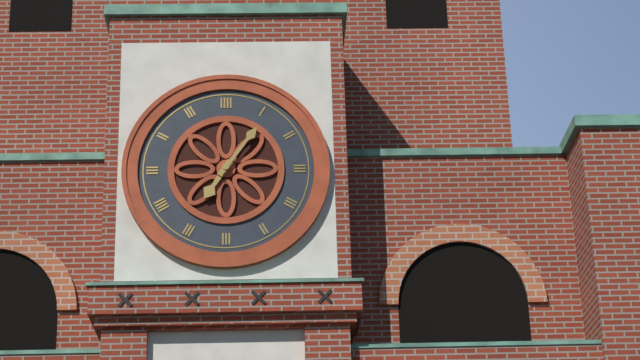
7:06
